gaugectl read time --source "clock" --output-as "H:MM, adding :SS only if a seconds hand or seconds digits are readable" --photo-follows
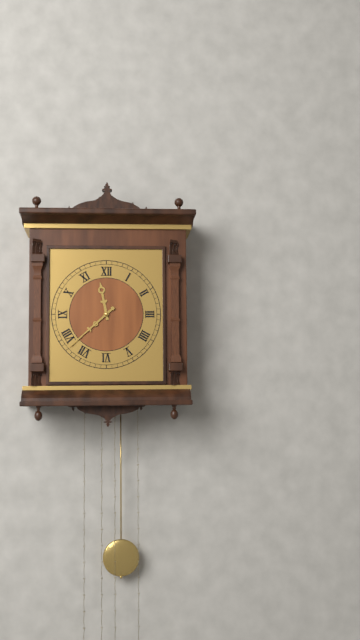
11:38
